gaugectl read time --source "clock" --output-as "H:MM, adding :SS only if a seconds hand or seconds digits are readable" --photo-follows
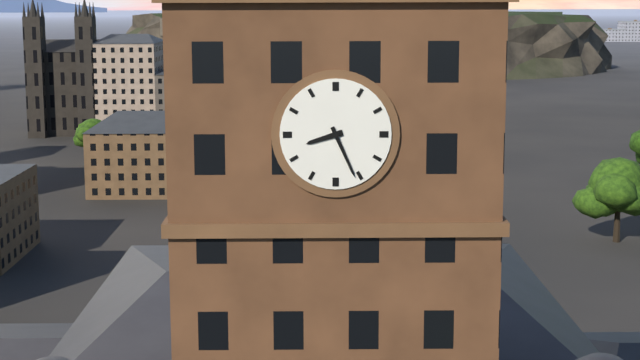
8:26
